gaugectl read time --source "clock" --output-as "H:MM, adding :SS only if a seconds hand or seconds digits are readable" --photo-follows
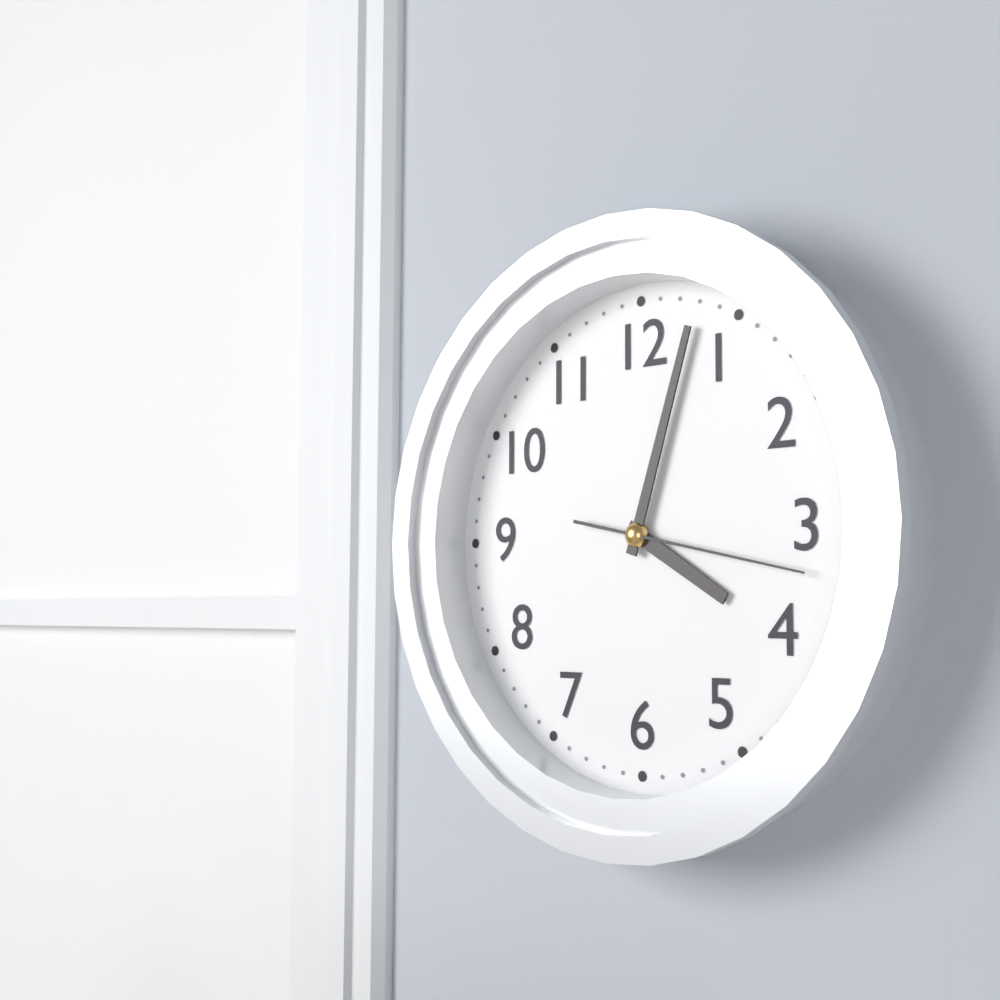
4:03:17
